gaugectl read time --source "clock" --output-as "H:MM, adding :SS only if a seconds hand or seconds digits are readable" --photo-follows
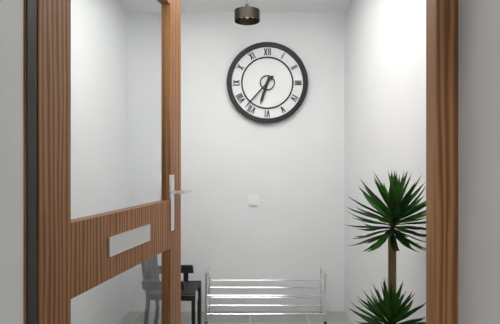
6:37
